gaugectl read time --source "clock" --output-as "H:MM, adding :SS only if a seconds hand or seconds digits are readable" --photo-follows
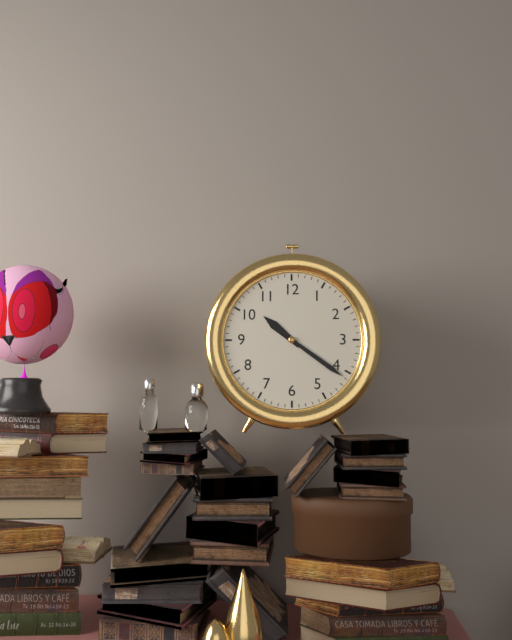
10:21
